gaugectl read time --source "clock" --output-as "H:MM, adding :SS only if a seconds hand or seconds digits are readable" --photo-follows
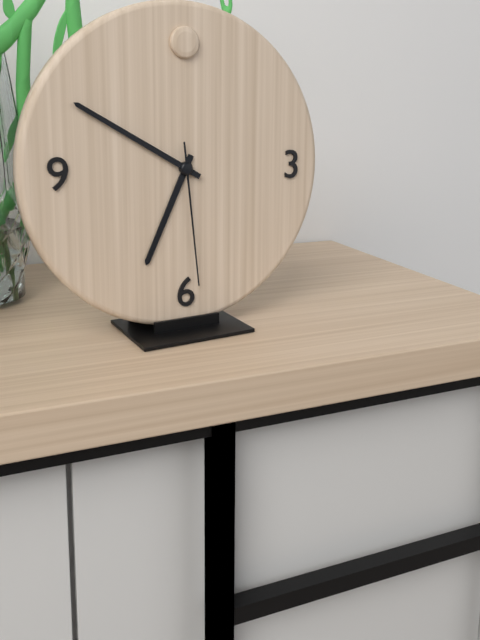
6:50:29
